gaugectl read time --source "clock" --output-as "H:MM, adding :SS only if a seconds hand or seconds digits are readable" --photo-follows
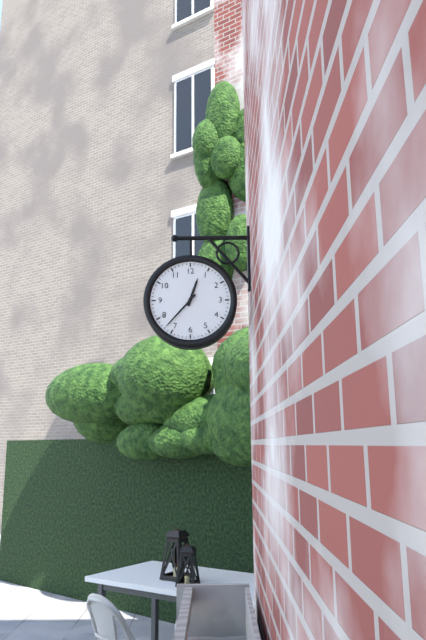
12:37
